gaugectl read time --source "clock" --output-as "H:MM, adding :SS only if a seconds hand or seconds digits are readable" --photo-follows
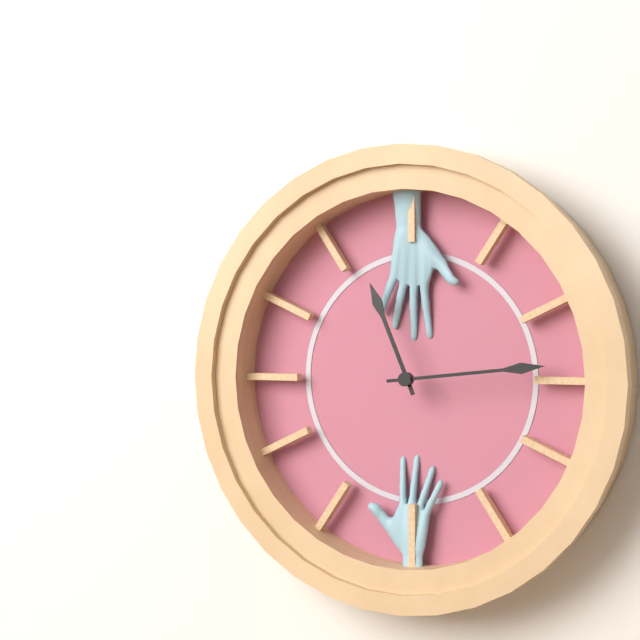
11:14
